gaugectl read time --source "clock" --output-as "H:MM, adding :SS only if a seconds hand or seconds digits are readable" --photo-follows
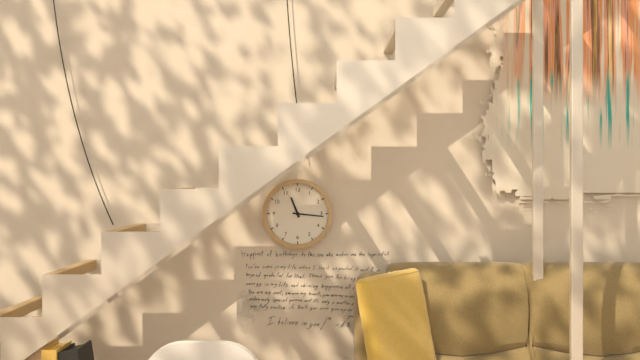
11:16
